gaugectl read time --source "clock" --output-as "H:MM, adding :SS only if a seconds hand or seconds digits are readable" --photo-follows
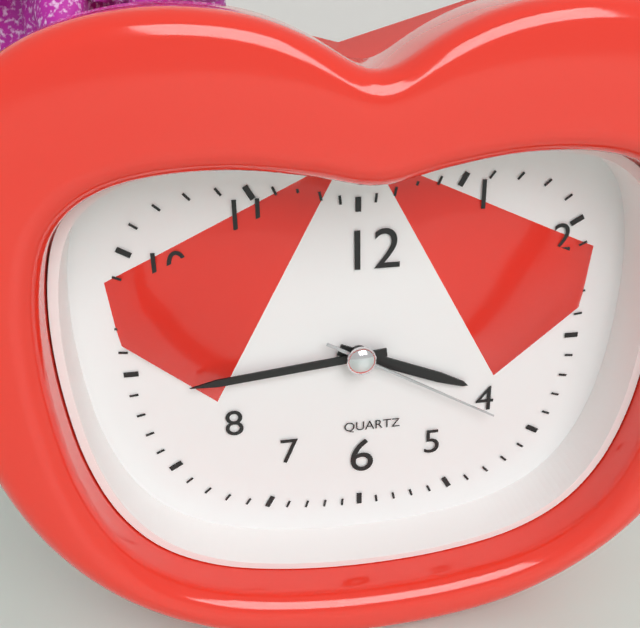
3:44:20
